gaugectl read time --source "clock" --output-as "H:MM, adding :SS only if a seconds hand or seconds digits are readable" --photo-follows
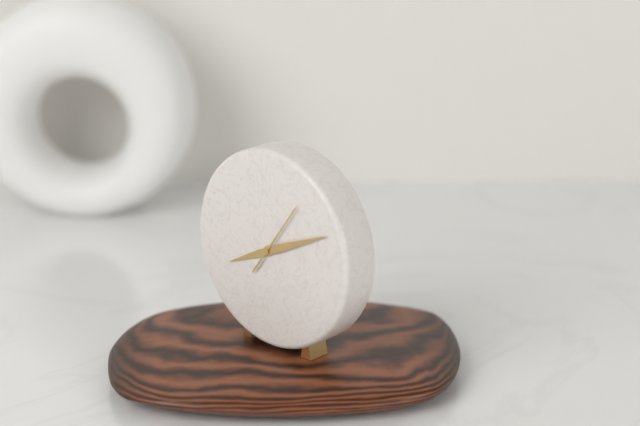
8:11:06
